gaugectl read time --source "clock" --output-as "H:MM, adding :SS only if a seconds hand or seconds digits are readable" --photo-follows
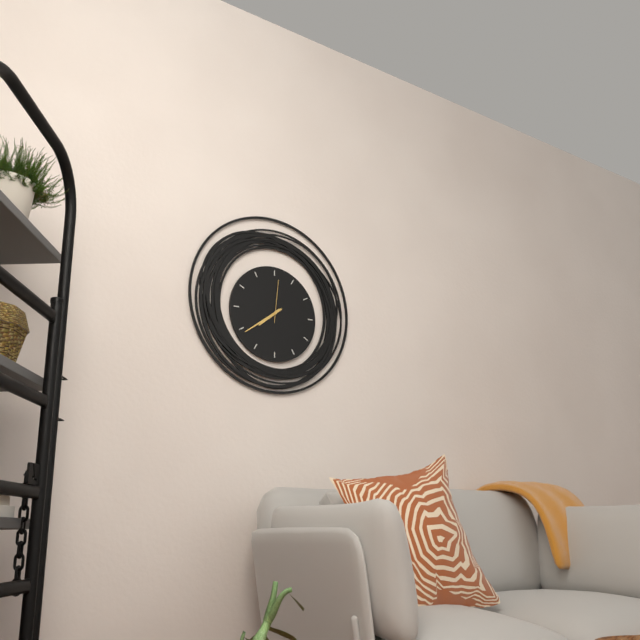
7:39
